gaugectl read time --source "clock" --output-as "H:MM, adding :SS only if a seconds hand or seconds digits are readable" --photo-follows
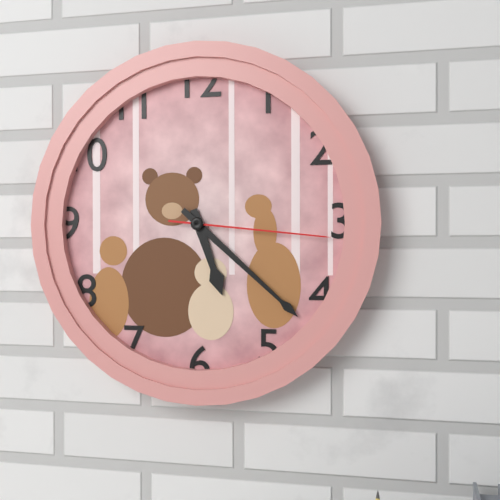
5:22:16
